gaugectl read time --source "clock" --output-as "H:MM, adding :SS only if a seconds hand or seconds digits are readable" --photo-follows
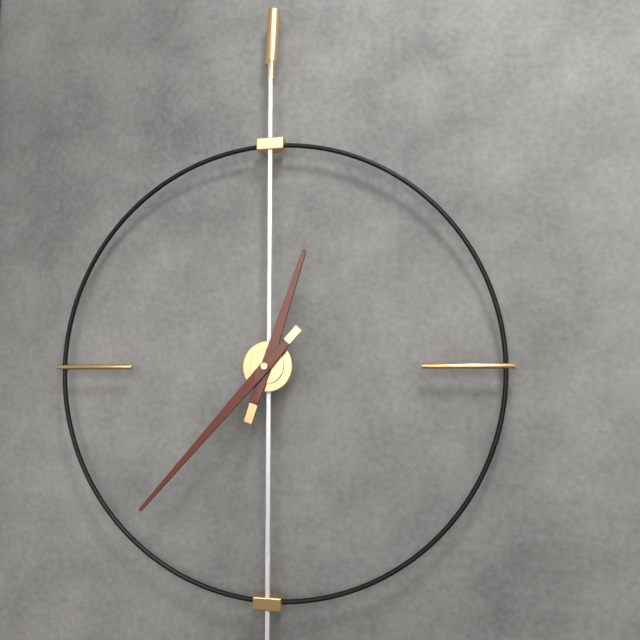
12:37
